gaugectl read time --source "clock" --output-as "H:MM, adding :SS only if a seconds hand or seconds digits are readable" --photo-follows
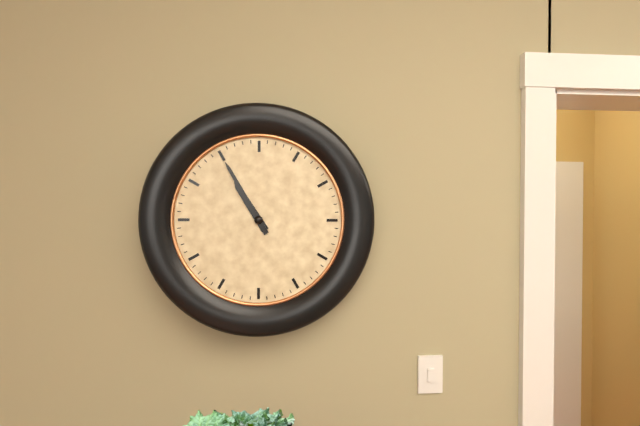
10:55
